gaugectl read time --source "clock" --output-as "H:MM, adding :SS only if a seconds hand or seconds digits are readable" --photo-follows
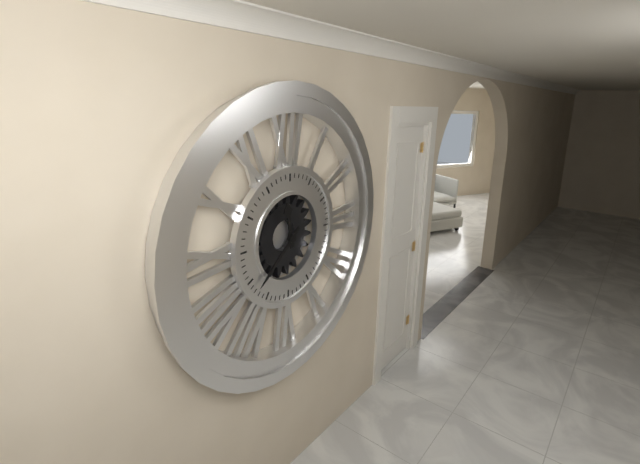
11:38
